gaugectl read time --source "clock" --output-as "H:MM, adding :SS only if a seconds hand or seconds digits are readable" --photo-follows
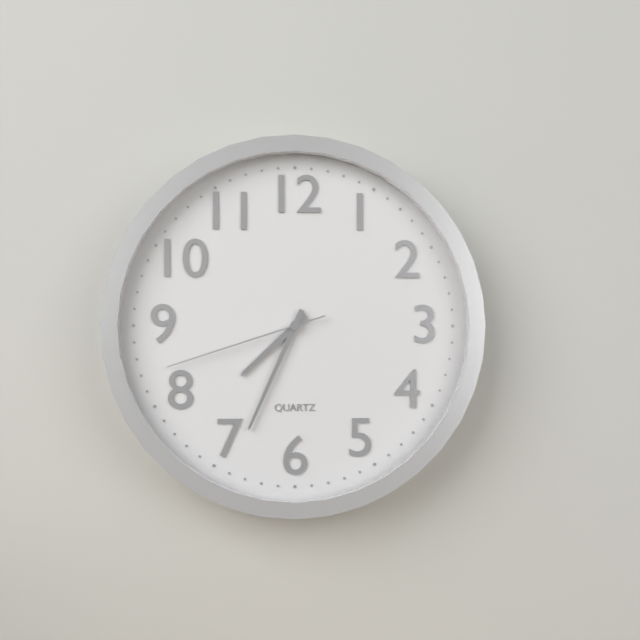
7:34:42
